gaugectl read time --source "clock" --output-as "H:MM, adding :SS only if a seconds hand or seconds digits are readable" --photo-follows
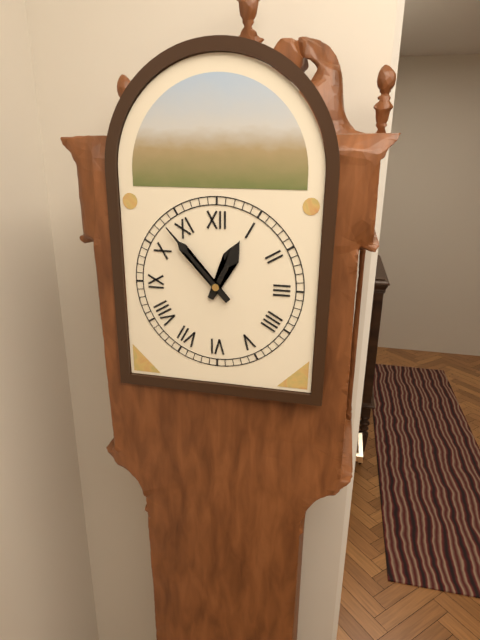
12:53
